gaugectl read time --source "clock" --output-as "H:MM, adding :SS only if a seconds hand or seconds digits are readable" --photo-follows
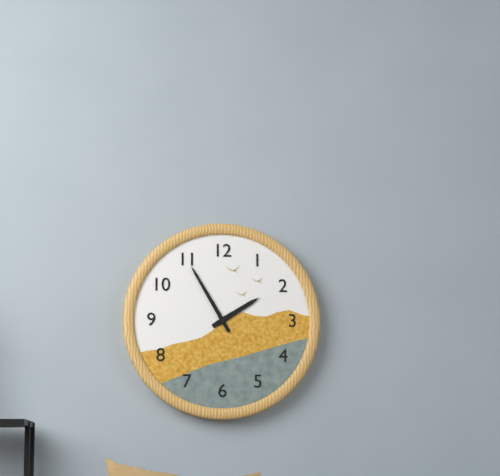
1:55
